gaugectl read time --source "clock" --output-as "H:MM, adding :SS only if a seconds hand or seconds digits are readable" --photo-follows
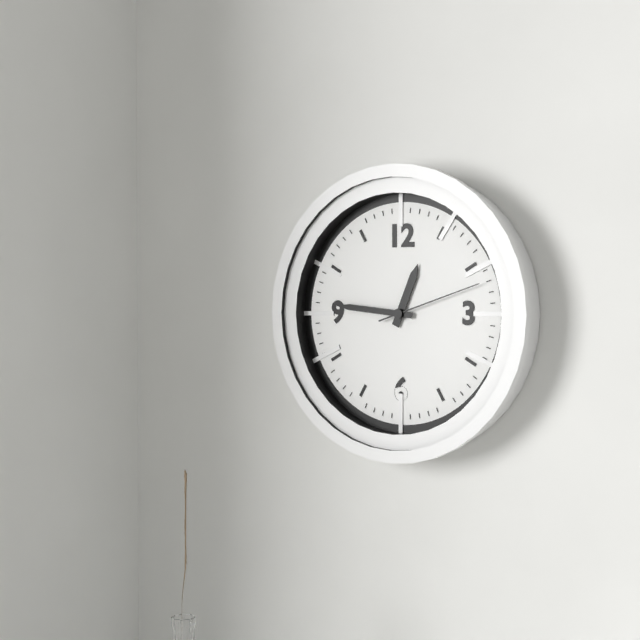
12:46:12
